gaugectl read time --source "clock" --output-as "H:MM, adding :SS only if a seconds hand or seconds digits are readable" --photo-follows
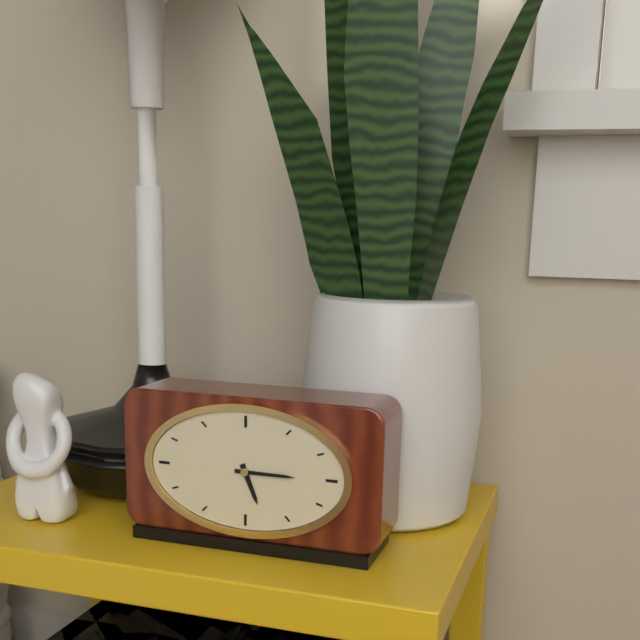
5:15
